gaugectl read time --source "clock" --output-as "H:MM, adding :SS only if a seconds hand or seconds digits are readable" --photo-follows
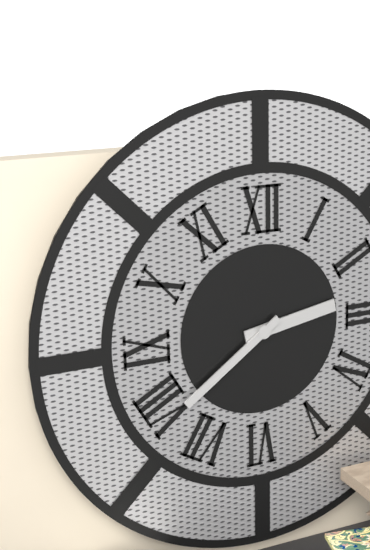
2:39
